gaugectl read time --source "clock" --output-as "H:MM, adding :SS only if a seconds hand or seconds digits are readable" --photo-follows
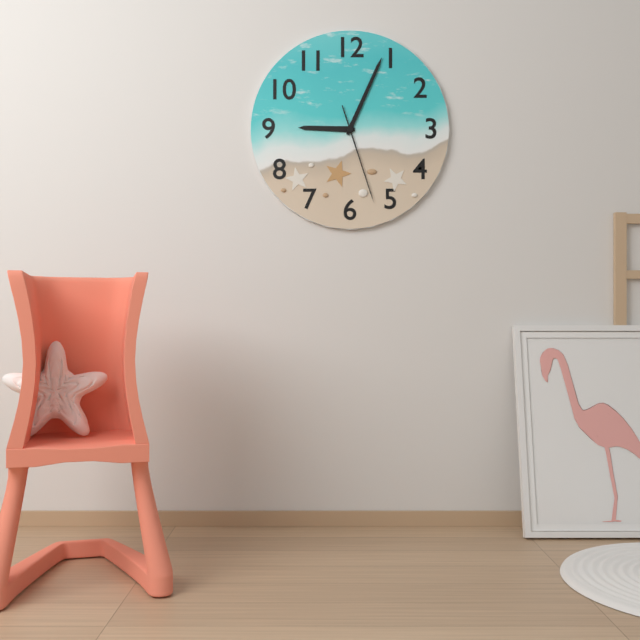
9:04:27
